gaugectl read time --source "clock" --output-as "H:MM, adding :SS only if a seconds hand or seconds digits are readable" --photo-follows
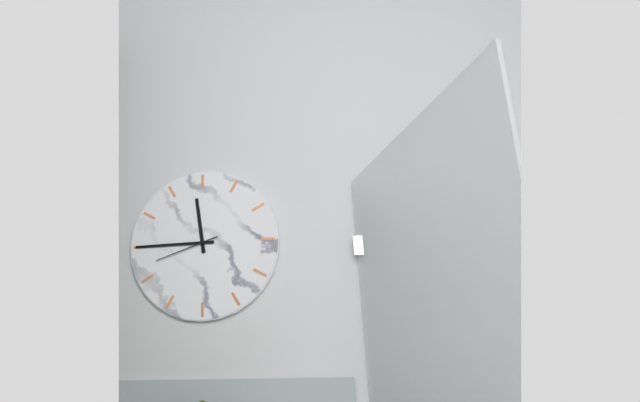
11:45:42
